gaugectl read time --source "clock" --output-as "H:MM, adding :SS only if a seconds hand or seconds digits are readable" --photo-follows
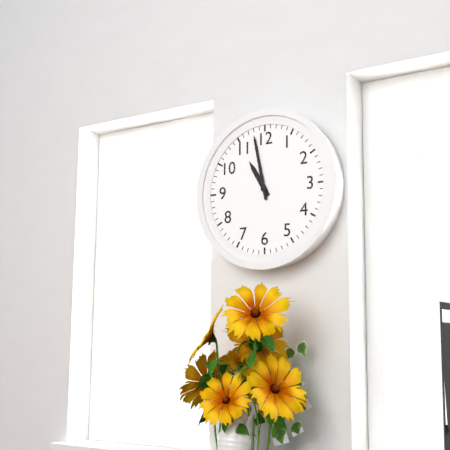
10:58
